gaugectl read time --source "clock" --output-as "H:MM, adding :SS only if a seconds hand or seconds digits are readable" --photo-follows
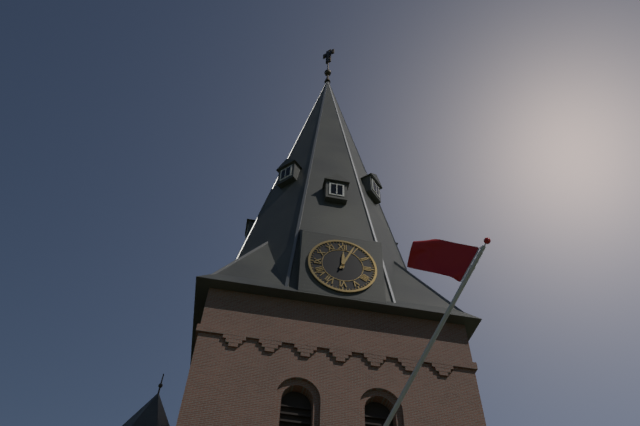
12:04
